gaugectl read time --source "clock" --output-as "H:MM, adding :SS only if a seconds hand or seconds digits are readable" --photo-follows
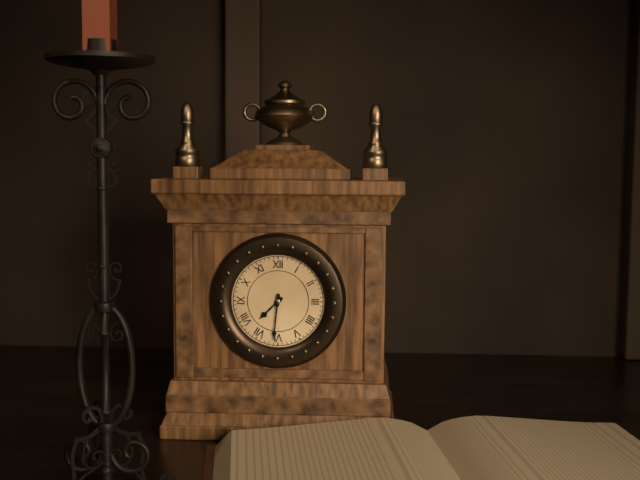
7:31
